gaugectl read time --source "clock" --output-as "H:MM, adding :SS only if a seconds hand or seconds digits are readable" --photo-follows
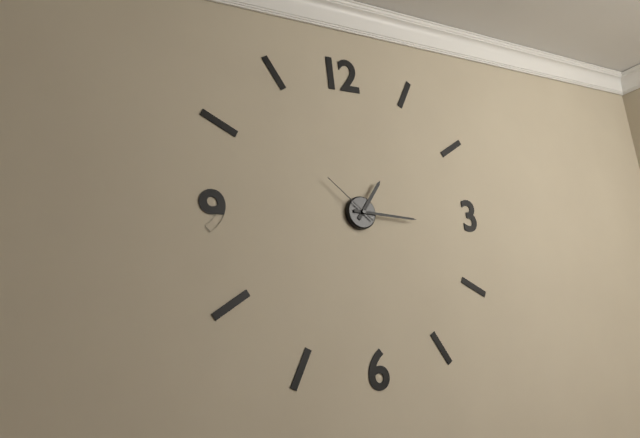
1:16:52
